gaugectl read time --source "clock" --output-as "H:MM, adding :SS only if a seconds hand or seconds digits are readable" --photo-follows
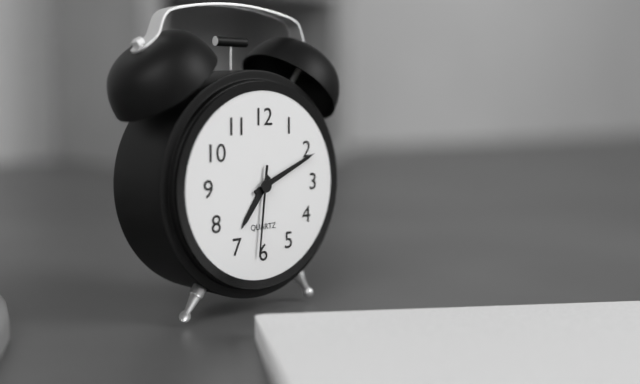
7:11:31
